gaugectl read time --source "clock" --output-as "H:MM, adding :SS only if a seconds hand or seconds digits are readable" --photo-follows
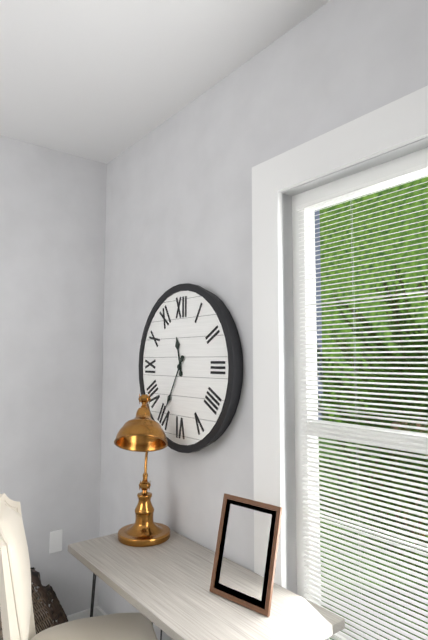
11:35
